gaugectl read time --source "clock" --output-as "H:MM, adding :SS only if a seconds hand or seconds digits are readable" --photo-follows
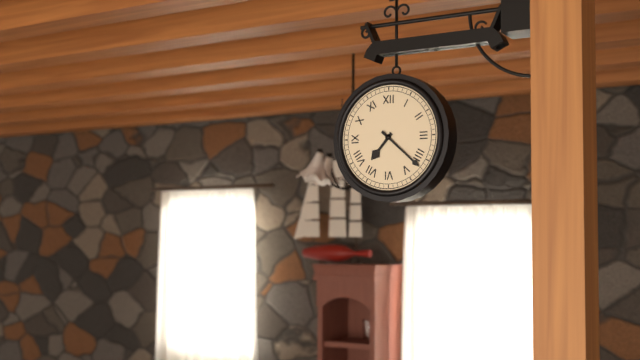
7:22
